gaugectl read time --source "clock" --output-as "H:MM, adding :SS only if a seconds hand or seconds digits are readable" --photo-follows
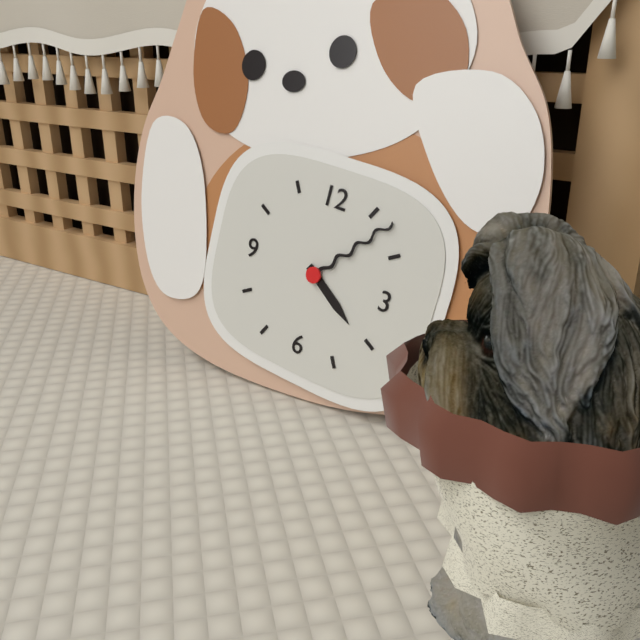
4:07
